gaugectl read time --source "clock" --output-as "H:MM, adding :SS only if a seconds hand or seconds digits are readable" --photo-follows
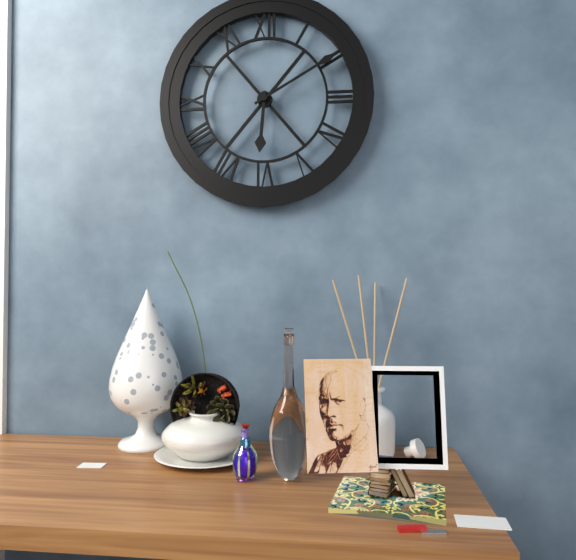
6:10
